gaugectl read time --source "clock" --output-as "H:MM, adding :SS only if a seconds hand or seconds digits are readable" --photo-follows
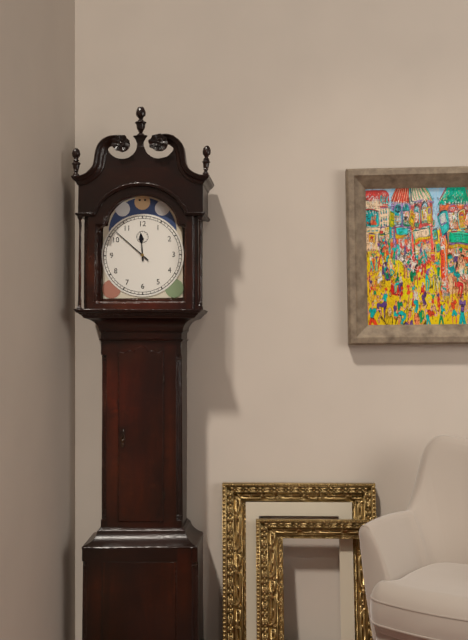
11:52
